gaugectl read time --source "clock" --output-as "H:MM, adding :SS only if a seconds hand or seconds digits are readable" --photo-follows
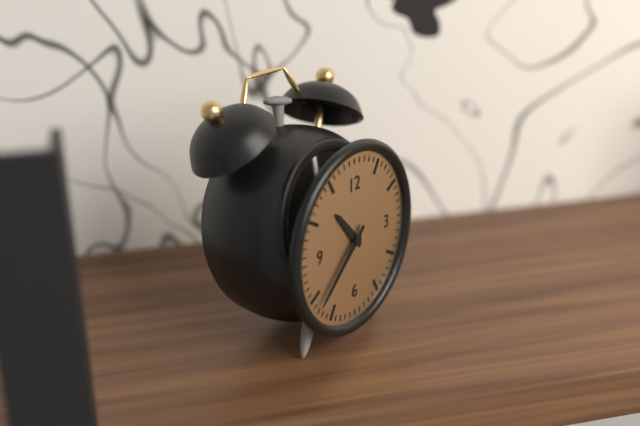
10:38
